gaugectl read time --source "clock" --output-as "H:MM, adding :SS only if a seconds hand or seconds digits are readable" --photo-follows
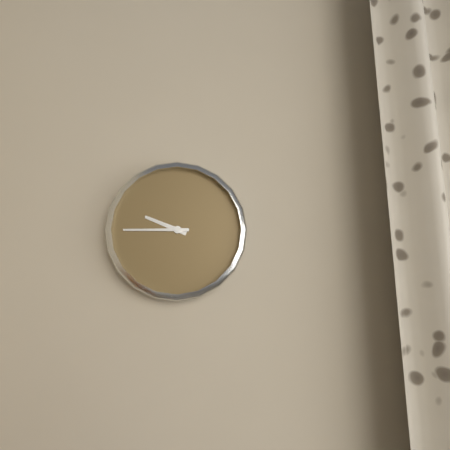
9:45
